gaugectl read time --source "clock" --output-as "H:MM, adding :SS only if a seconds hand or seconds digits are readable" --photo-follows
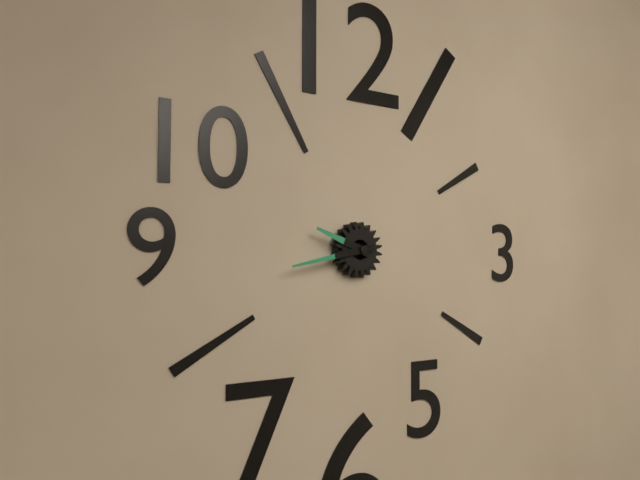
9:43
